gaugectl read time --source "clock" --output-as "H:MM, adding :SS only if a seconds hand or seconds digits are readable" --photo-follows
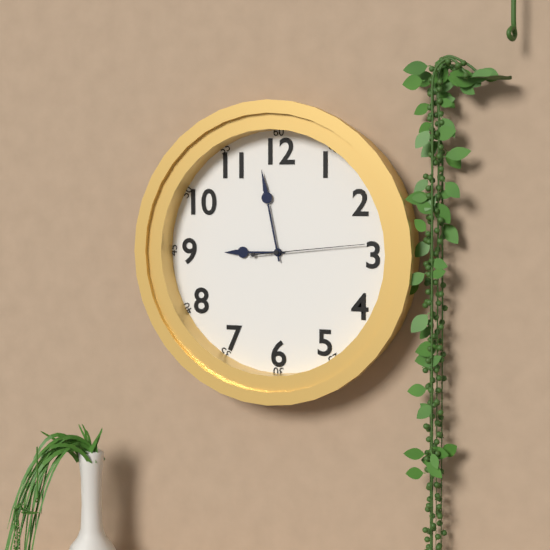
8:58:14
